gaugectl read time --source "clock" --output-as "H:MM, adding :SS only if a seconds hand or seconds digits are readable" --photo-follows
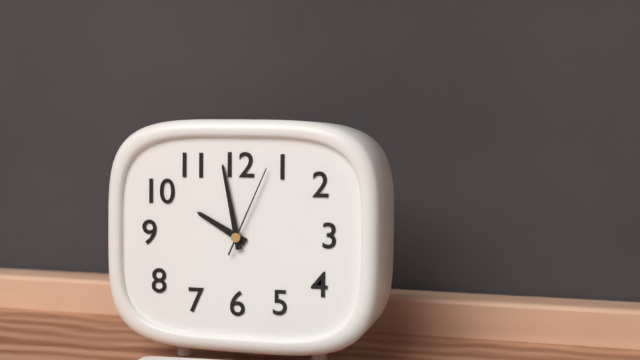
9:58:04
